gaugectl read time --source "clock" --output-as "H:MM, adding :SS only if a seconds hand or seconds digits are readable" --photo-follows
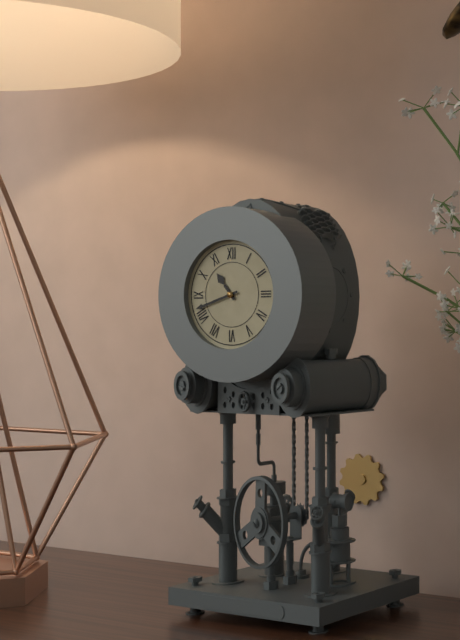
10:42
